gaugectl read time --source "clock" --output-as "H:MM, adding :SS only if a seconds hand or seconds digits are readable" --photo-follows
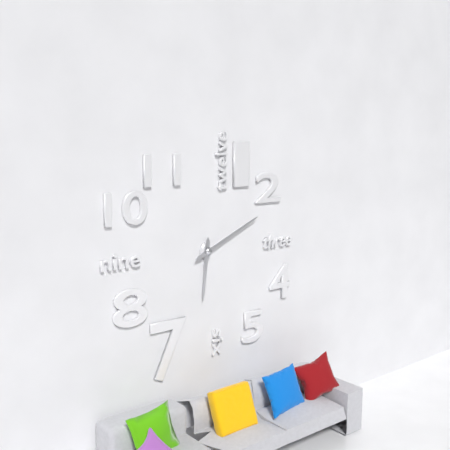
6:11
